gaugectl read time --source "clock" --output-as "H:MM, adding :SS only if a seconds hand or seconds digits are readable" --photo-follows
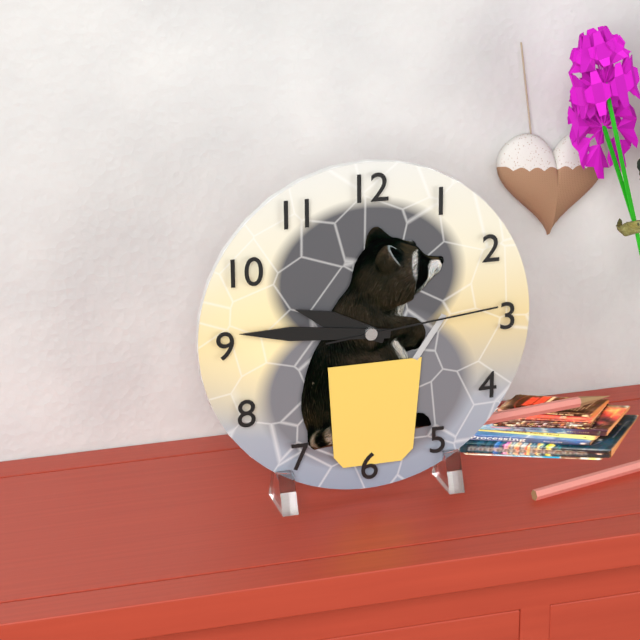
9:46:14
